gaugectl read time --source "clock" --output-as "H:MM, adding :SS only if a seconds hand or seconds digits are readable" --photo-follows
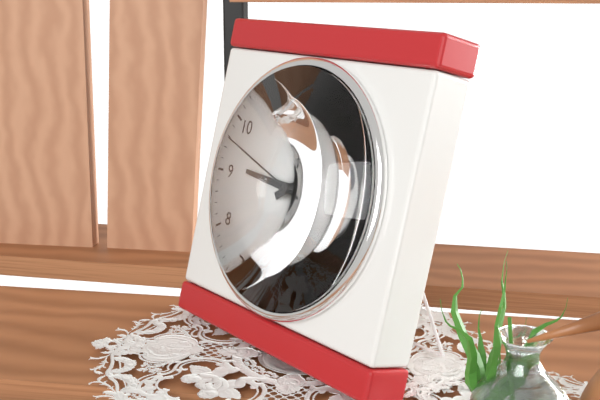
9:09:48
